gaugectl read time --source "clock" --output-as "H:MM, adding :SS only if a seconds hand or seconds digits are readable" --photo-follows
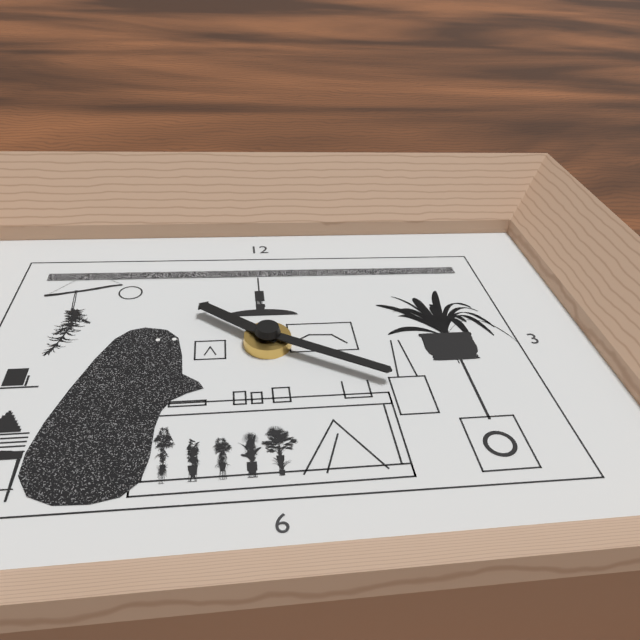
10:20
